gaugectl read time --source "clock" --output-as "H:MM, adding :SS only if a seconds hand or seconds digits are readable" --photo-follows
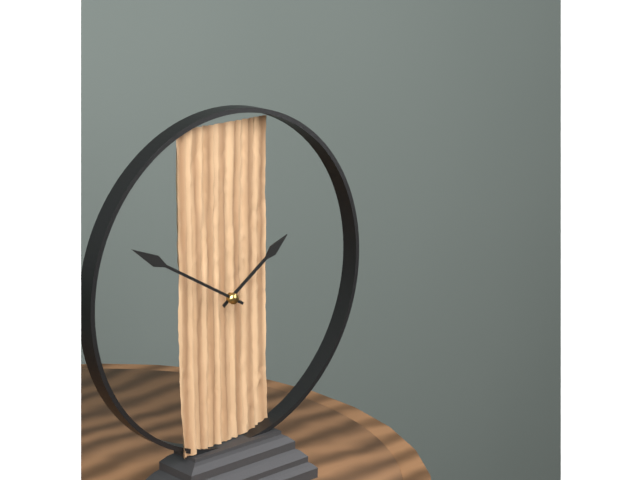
1:50
